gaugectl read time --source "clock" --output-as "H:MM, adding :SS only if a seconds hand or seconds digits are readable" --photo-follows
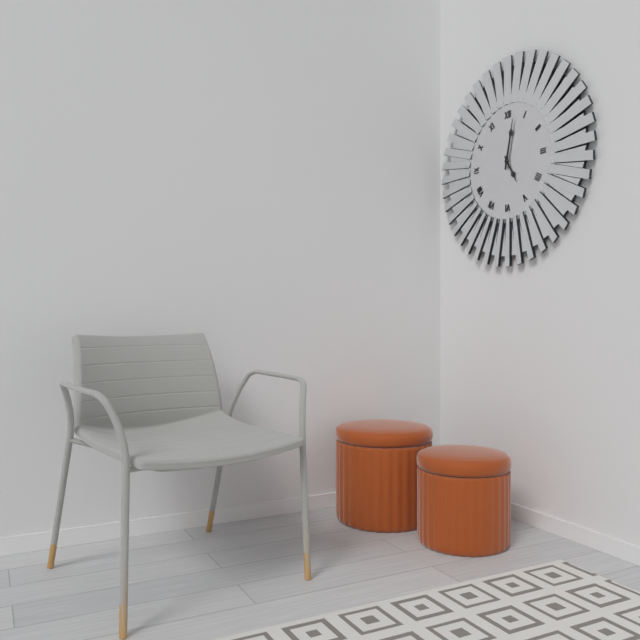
5:02
